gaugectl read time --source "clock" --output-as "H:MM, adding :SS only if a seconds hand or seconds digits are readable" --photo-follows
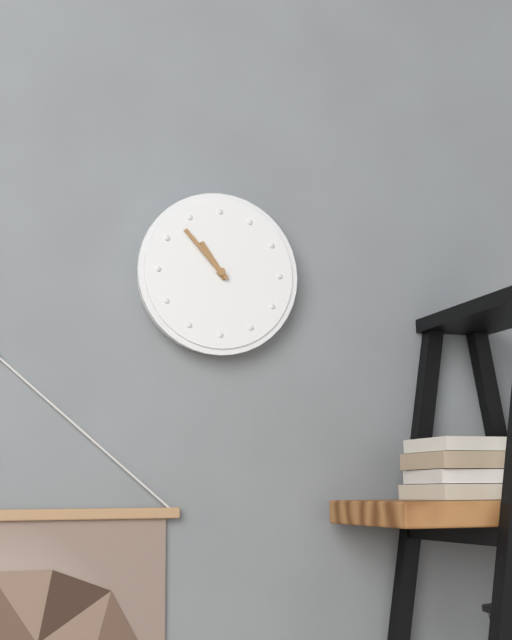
10:53
